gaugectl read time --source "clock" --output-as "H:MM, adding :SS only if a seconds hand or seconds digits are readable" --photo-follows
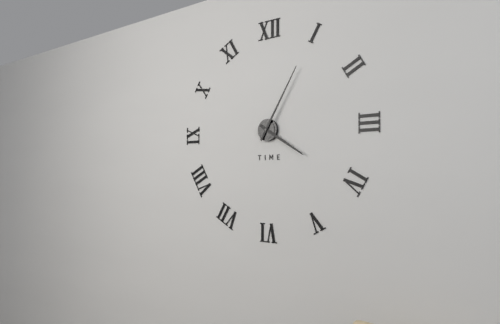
4:05
